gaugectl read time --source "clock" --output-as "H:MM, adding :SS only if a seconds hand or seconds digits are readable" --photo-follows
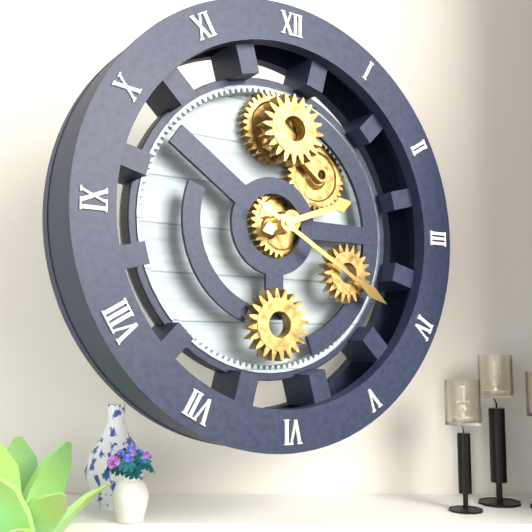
2:20
